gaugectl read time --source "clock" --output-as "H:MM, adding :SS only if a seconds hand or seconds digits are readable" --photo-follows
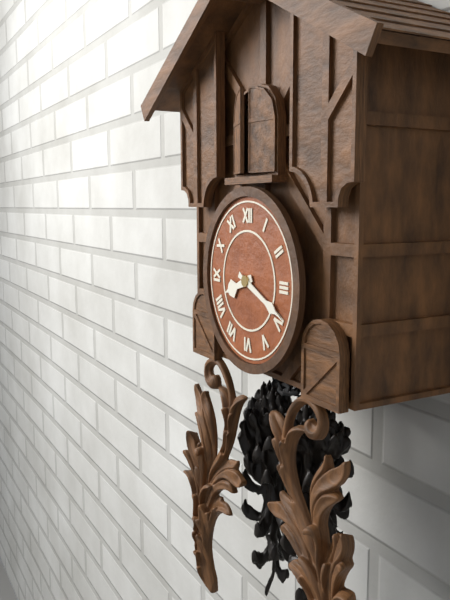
8:19
